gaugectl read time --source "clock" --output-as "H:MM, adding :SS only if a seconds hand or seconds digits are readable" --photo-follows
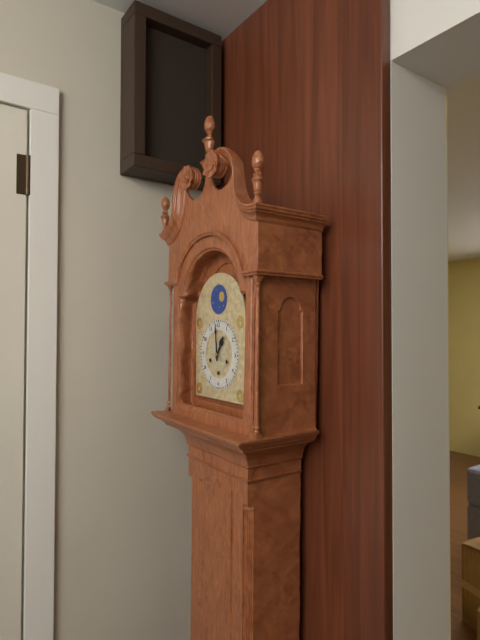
12:59
